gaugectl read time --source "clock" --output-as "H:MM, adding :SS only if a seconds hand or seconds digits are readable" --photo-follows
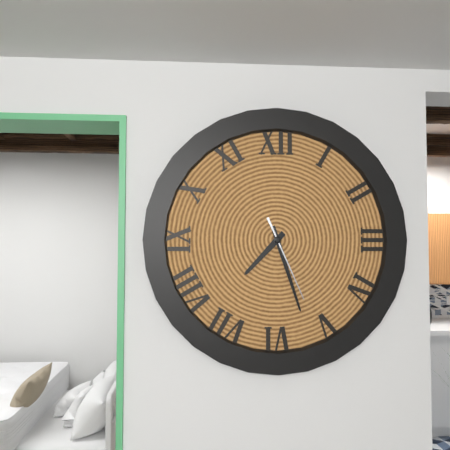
7:27:26
